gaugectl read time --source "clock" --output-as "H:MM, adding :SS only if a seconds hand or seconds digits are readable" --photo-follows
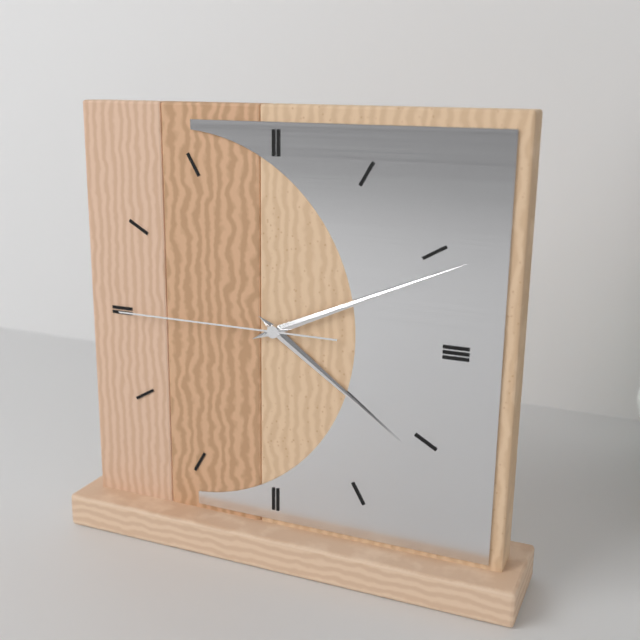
4:11:45
